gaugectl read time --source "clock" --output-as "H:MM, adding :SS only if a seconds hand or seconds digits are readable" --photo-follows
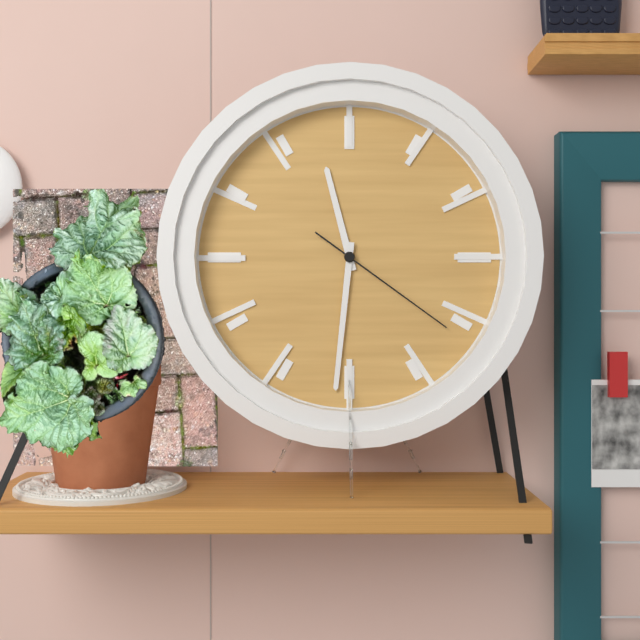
11:31:21
